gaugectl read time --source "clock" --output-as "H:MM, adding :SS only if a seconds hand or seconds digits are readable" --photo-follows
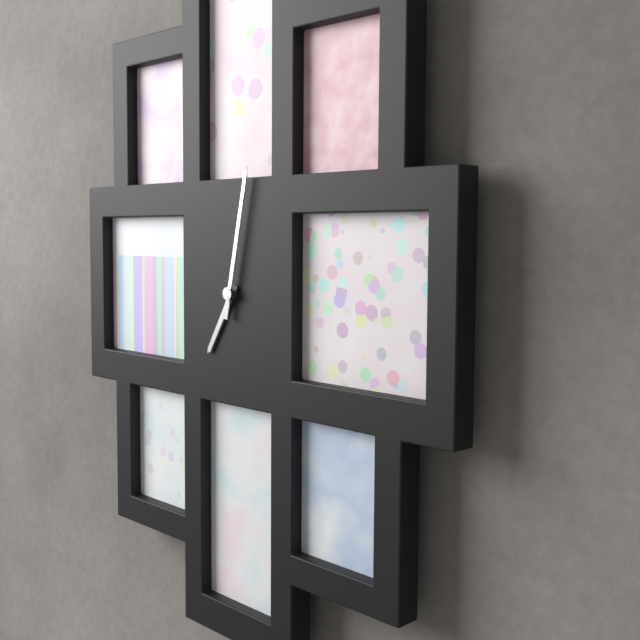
7:02
